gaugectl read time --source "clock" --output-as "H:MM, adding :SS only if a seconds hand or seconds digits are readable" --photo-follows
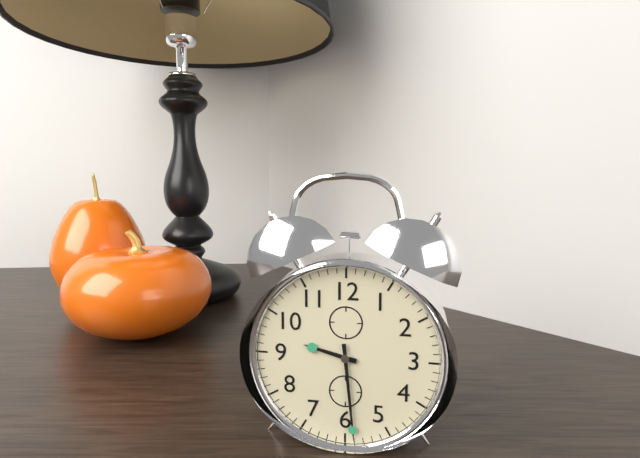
9:29
